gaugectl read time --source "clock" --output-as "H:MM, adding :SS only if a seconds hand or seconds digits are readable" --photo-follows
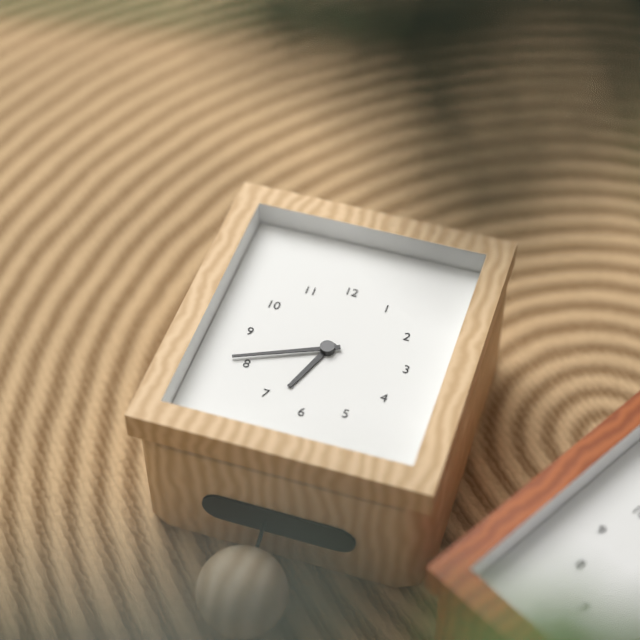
6:41
